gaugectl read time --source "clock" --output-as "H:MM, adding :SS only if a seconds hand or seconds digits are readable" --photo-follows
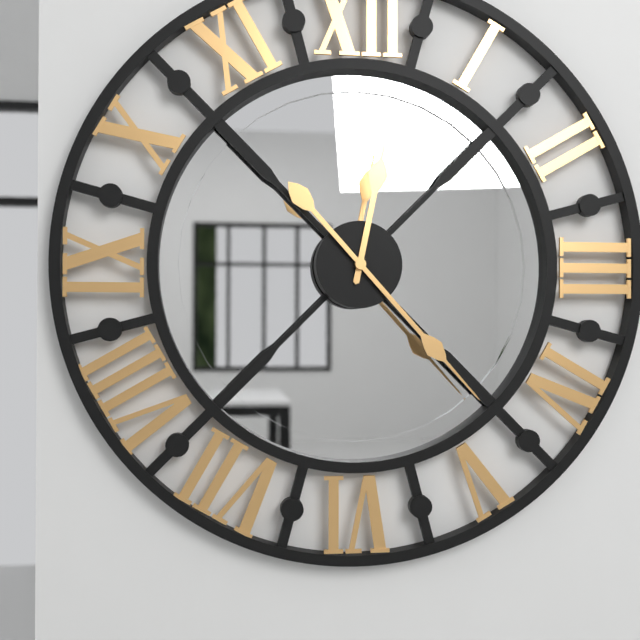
12:23
